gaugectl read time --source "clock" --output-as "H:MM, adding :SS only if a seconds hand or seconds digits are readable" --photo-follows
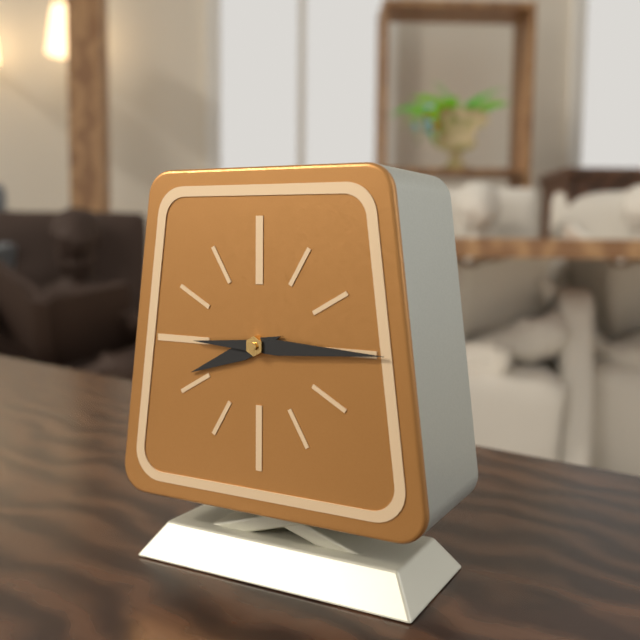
8:15
